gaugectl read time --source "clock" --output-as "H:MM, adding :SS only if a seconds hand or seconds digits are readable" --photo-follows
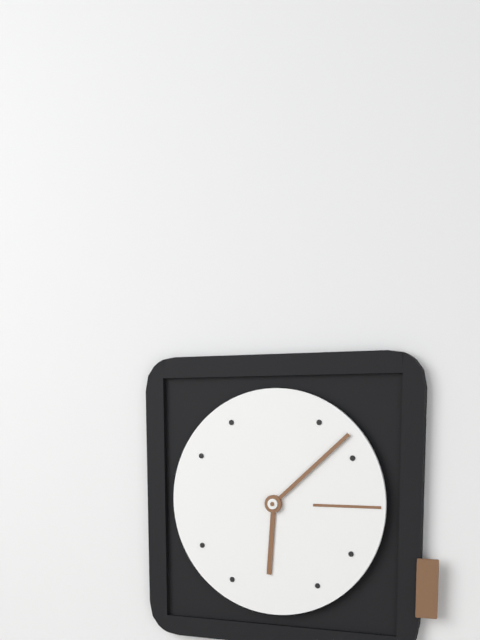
6:08
